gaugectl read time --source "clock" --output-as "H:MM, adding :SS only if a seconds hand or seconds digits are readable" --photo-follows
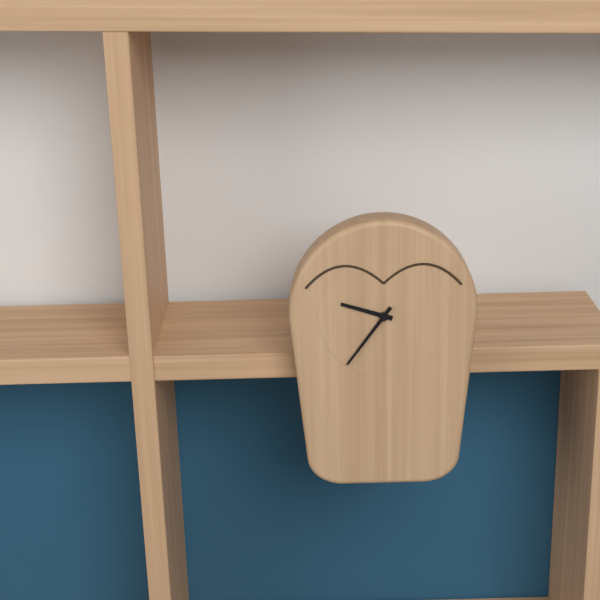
9:36
